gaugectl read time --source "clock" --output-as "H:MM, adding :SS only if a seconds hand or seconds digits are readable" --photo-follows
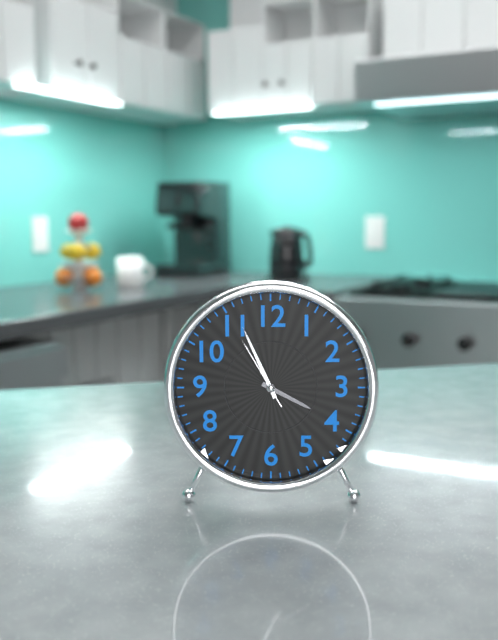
3:56:55
